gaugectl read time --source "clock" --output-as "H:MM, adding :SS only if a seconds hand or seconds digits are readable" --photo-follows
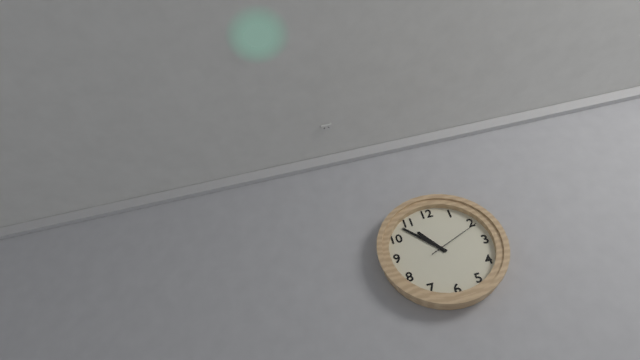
10:53:11
